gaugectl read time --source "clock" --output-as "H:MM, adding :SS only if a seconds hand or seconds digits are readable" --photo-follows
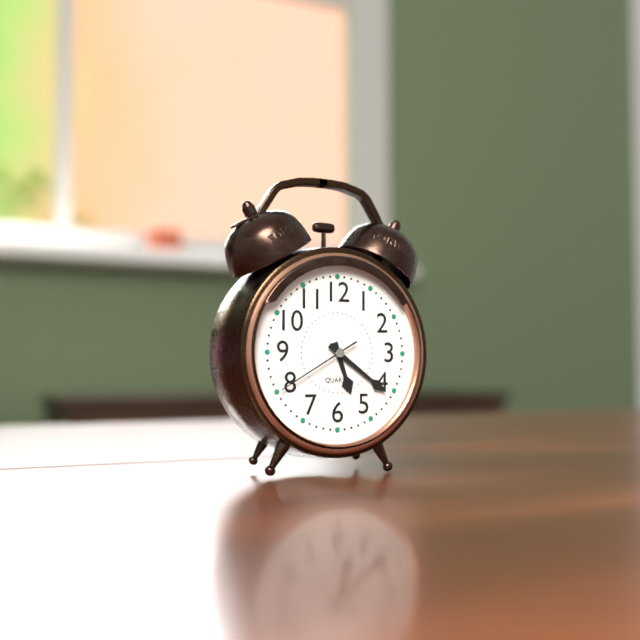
5:21:40
